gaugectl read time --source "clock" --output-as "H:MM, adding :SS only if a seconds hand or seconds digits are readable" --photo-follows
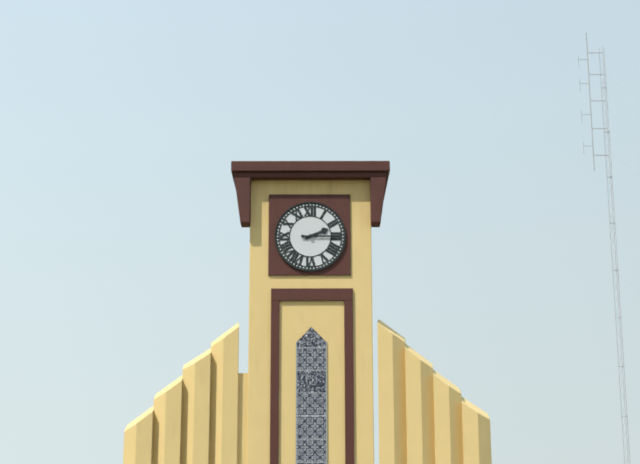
2:15
